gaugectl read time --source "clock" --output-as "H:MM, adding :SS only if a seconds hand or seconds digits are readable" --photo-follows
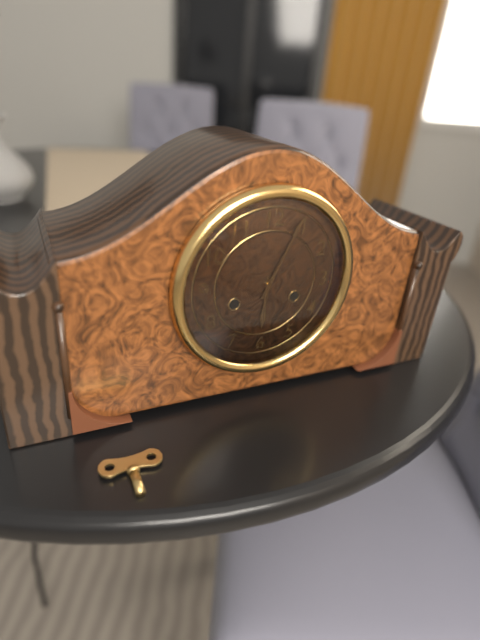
6:04
